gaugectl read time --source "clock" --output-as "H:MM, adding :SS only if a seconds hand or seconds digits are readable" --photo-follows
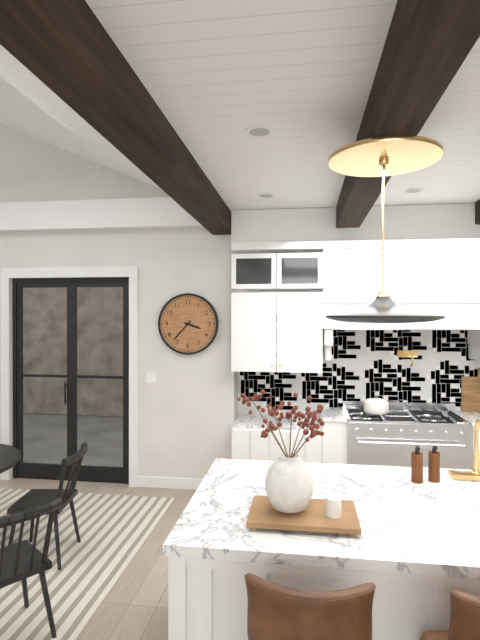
3:37
